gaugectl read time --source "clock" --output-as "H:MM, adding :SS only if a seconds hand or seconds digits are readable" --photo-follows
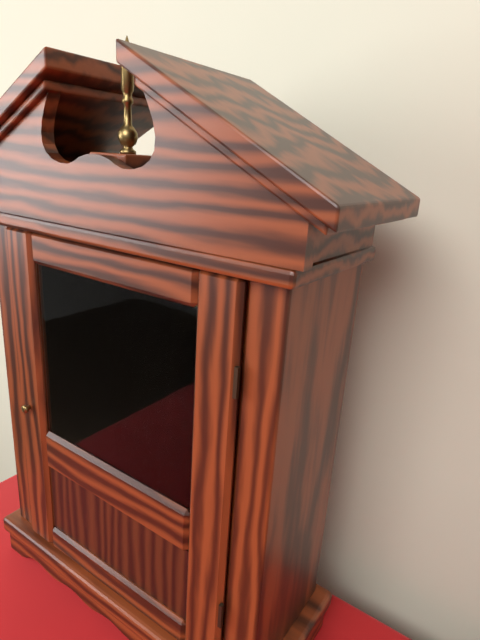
12:01
